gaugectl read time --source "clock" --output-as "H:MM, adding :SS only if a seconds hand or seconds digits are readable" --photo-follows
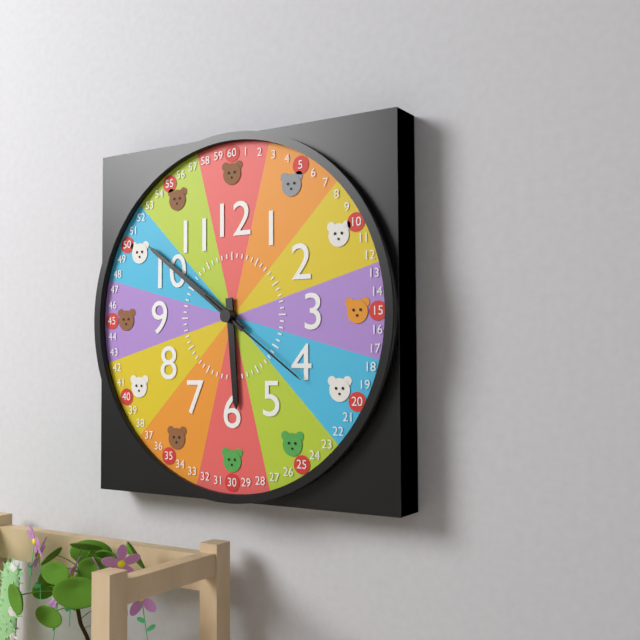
5:51:21
